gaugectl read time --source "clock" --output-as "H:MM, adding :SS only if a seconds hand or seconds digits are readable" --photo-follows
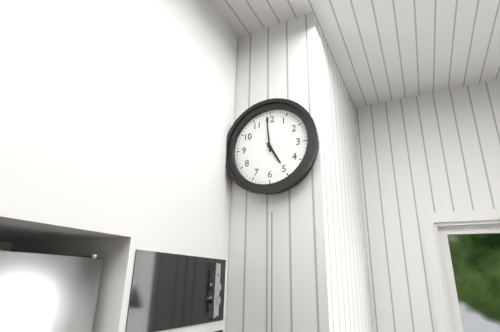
4:59
